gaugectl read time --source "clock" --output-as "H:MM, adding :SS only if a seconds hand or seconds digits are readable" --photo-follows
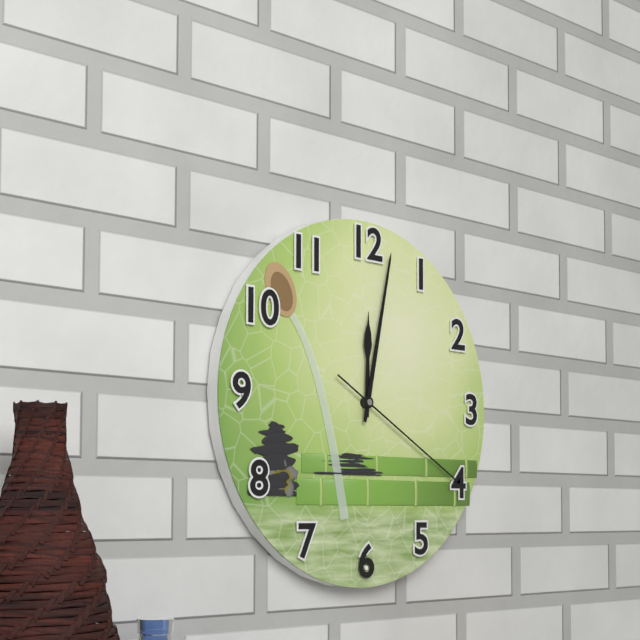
12:02:20
